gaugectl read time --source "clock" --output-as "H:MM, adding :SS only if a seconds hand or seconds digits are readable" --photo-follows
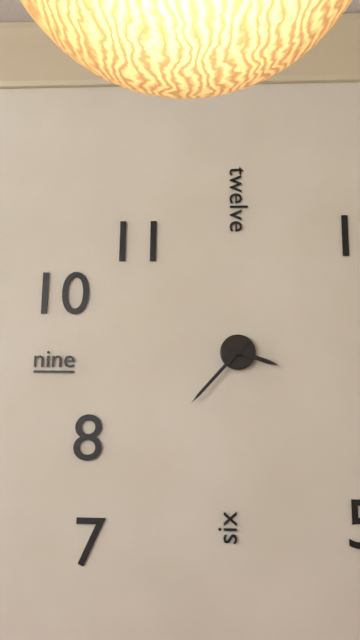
3:37
